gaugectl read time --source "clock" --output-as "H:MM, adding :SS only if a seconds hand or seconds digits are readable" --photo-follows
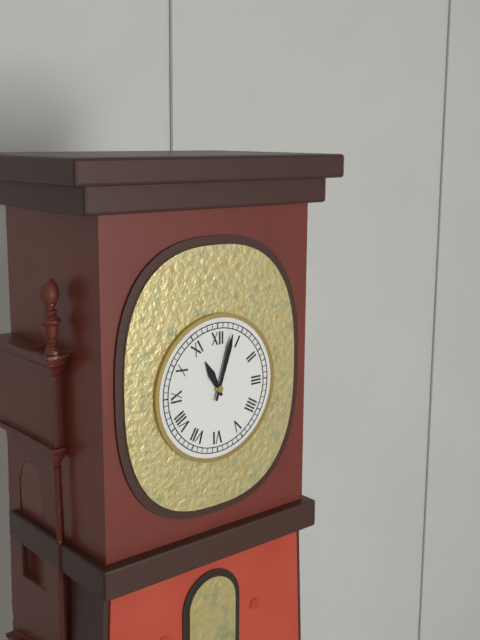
11:03
